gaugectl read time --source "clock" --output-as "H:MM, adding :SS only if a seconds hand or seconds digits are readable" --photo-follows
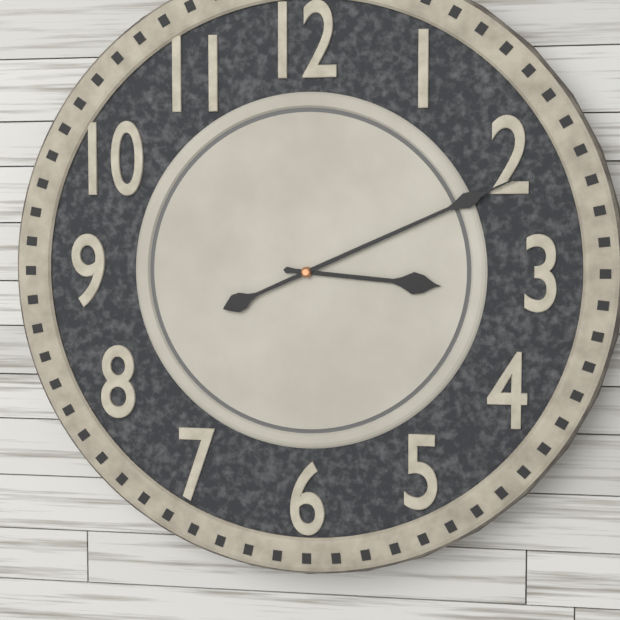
3:11
